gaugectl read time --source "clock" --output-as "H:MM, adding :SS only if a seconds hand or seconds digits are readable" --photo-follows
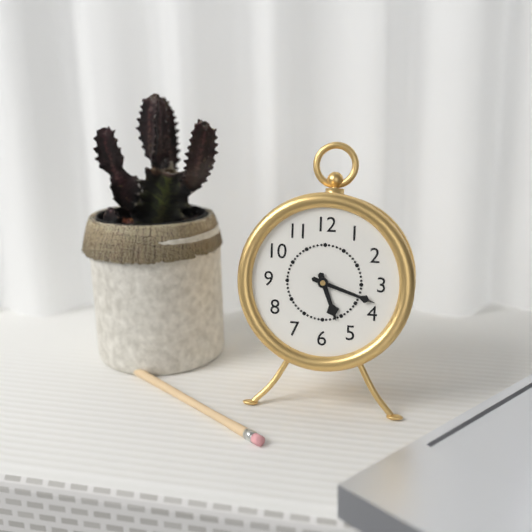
5:18
